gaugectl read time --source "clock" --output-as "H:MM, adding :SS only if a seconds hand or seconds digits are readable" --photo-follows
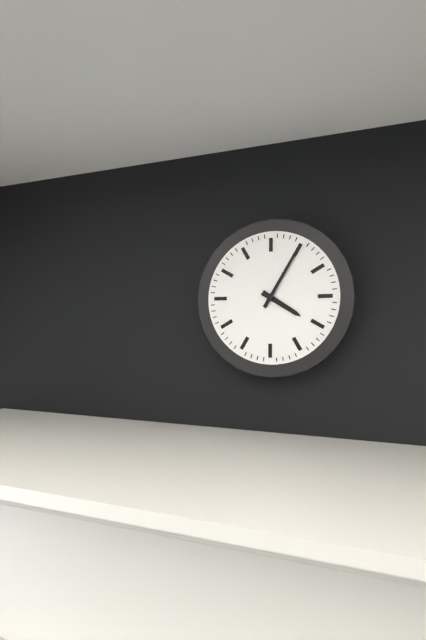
4:05
